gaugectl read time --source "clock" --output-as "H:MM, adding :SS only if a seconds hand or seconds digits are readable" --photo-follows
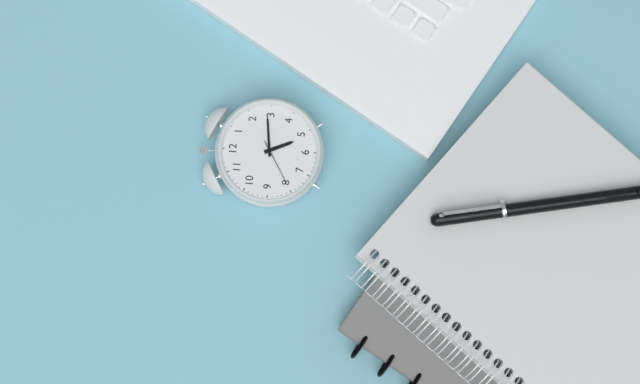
5:14
